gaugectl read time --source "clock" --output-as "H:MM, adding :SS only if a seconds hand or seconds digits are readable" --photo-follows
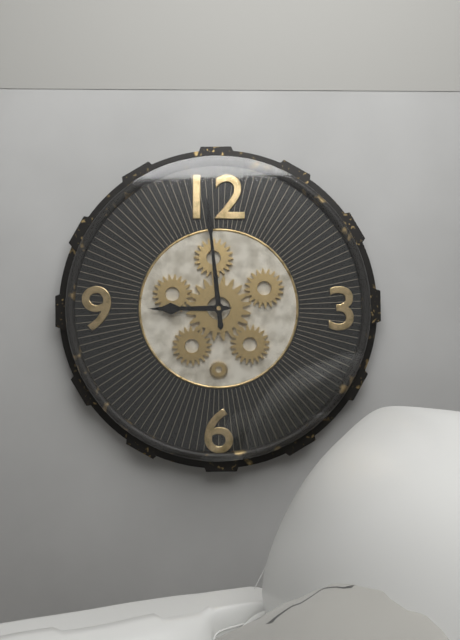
8:59
